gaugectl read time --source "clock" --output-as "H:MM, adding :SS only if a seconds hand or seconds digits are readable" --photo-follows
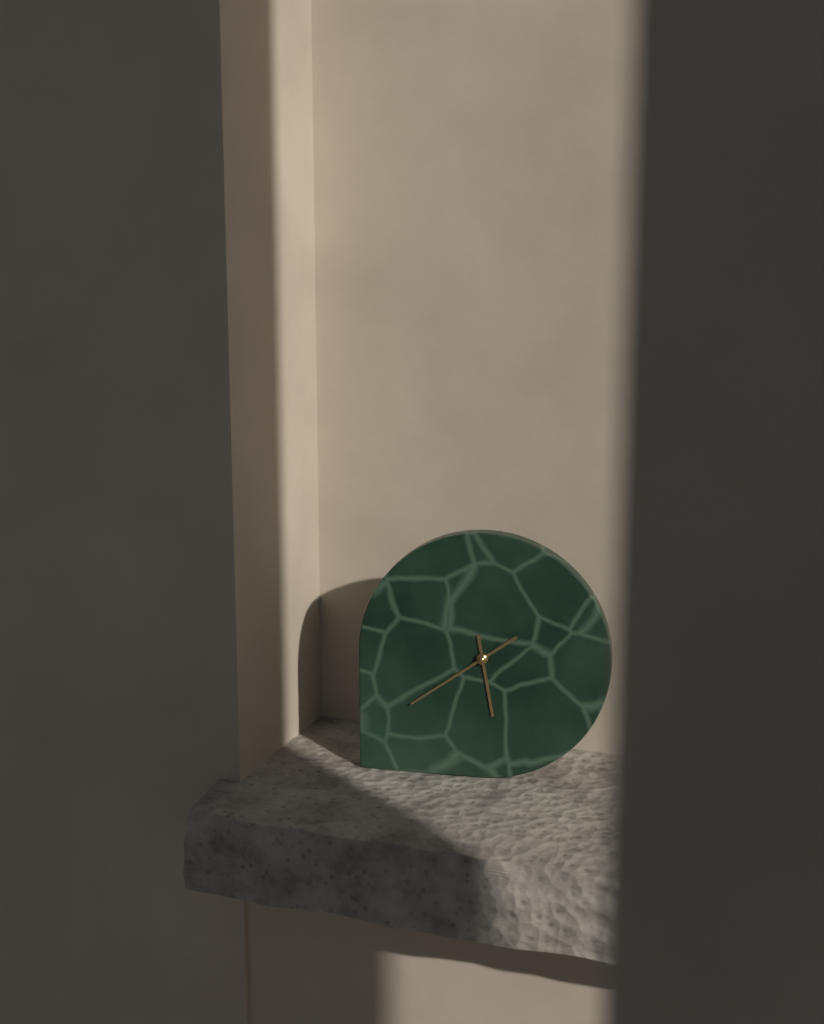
5:39
